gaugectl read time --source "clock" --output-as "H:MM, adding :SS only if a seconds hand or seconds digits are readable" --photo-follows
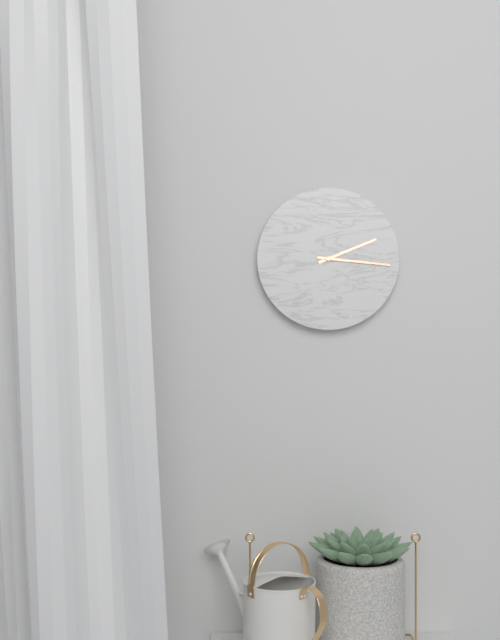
2:16
